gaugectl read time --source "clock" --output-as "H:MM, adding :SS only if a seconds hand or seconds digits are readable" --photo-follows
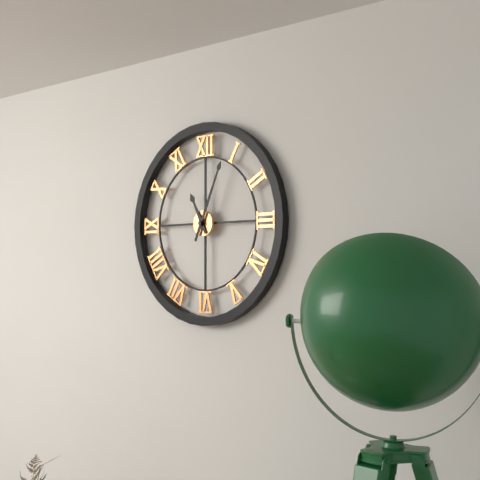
11:04
